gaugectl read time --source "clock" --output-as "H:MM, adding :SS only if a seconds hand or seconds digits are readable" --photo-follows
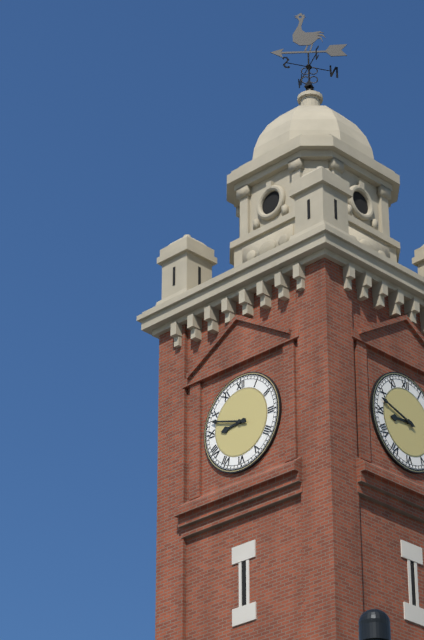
8:48
